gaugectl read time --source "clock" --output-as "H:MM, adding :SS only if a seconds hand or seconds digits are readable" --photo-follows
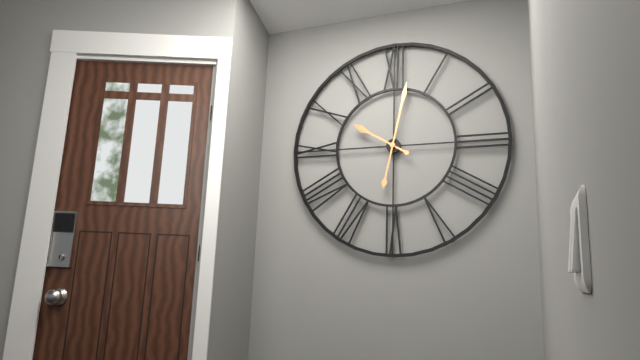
10:02
